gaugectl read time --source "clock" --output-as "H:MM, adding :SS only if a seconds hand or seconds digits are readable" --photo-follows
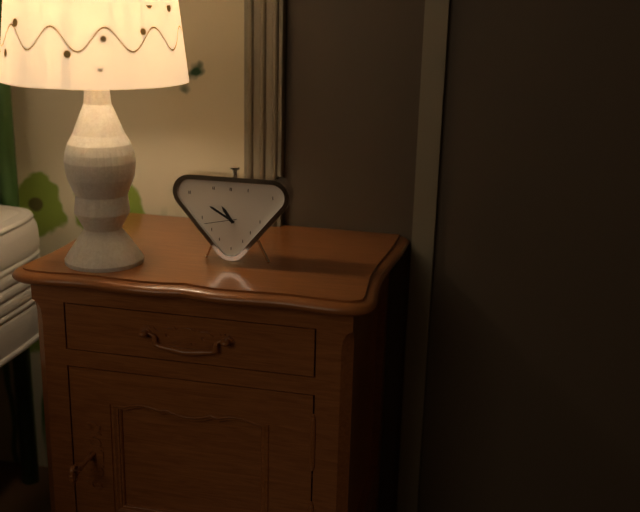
10:50
